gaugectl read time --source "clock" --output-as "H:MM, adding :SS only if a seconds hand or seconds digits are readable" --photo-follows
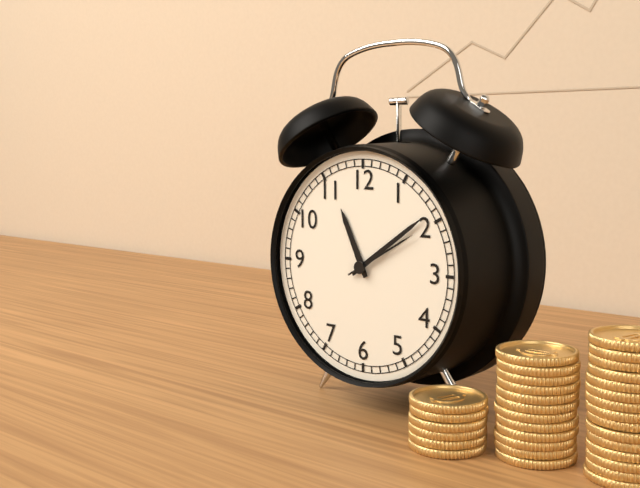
11:09:10
